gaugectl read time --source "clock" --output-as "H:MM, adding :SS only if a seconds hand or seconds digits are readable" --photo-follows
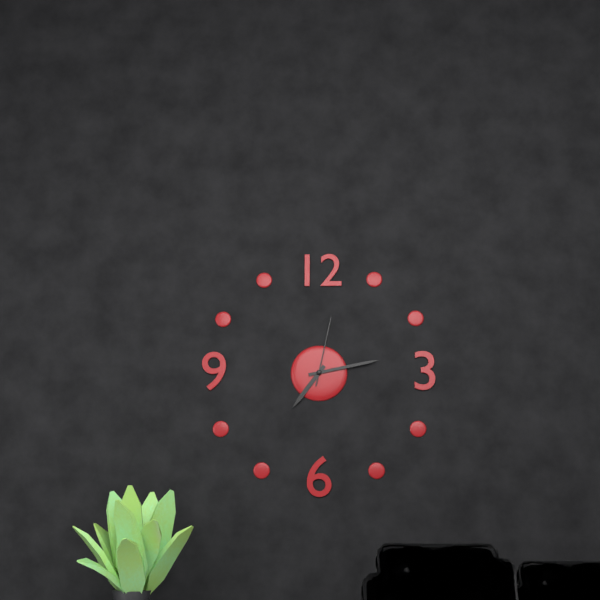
7:13:02
